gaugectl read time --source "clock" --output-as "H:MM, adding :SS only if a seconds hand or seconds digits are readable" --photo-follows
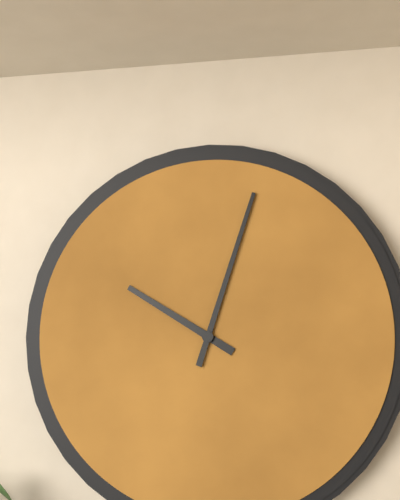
10:03
